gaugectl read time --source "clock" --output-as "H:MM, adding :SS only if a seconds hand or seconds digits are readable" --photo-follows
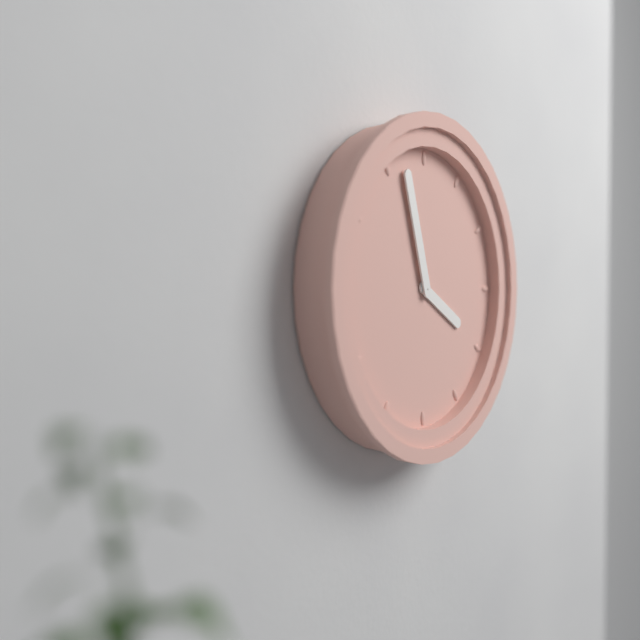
3:57
